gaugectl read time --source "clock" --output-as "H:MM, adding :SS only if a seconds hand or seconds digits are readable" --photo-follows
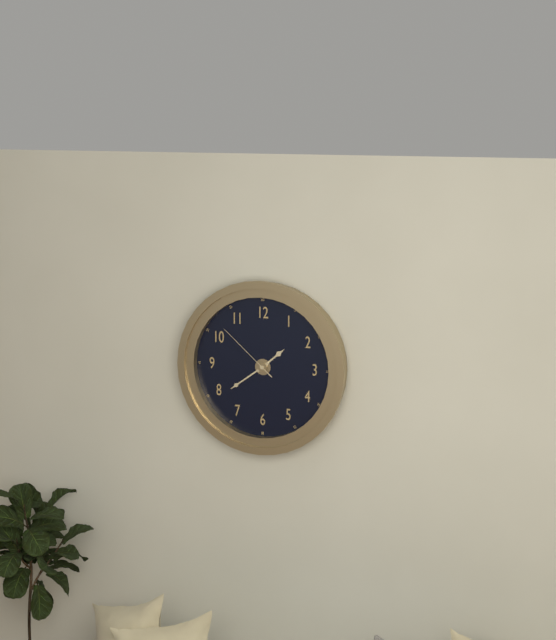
1:39:52
